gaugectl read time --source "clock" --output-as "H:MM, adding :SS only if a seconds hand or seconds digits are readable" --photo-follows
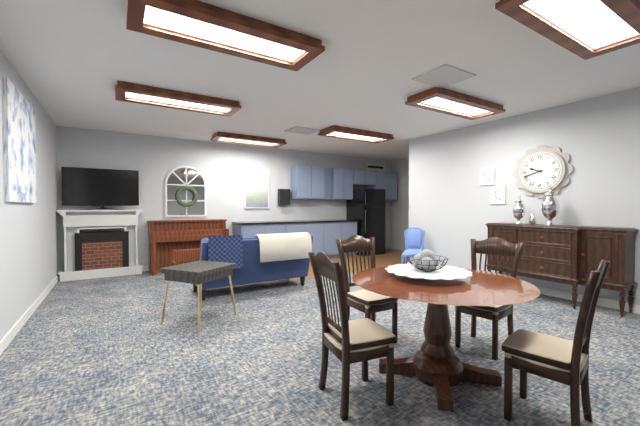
9:42
